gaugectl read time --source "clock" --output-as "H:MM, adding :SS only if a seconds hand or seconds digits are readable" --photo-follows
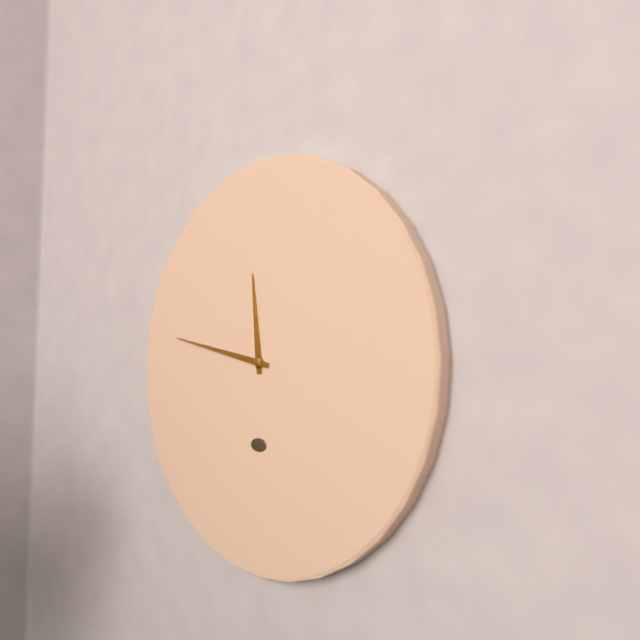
11:47
